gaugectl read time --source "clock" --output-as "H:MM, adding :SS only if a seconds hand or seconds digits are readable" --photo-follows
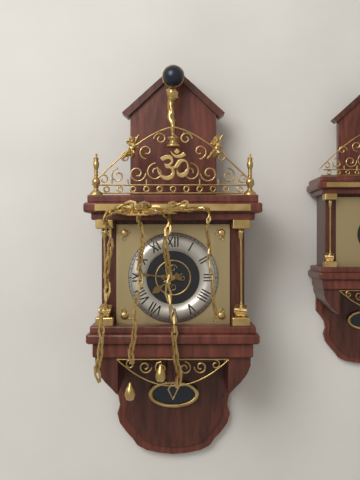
7:46
